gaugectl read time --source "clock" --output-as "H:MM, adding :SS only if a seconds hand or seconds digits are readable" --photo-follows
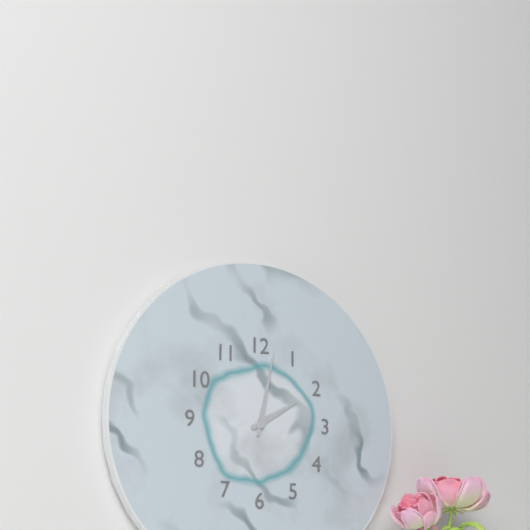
2:02
